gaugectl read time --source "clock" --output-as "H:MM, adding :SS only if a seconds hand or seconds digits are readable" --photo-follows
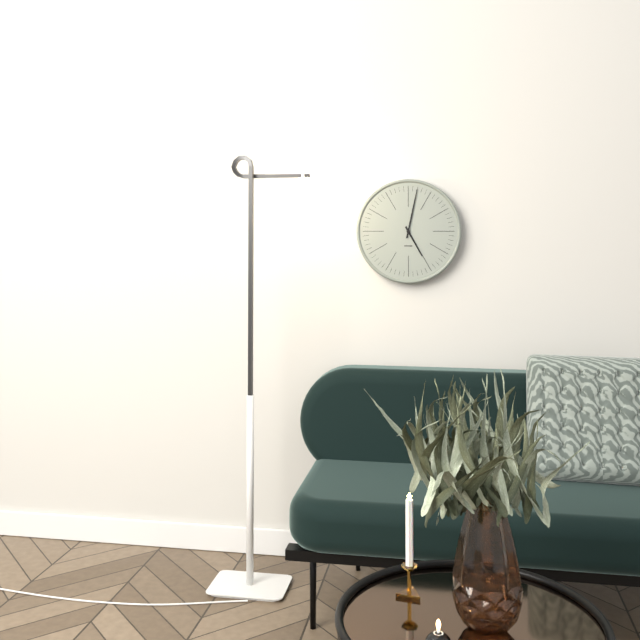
5:02
